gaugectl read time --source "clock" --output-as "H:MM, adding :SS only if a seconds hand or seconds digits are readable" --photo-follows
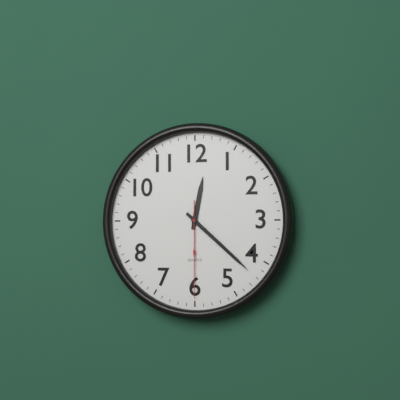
12:22:30
